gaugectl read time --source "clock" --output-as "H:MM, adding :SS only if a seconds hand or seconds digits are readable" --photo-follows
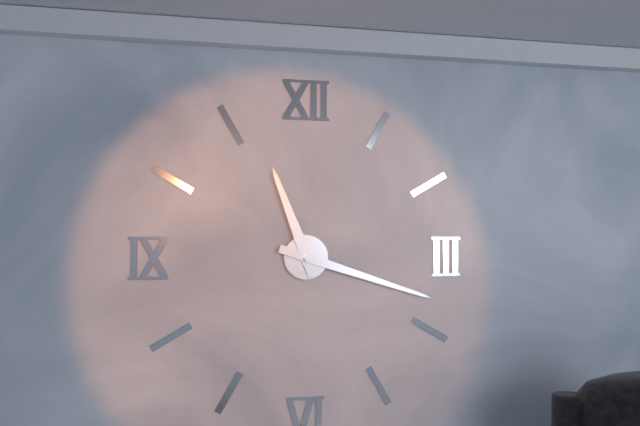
11:18
